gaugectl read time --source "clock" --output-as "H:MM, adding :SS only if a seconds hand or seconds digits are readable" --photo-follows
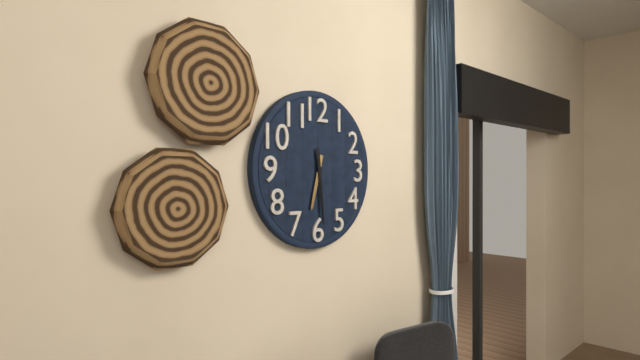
6:29
